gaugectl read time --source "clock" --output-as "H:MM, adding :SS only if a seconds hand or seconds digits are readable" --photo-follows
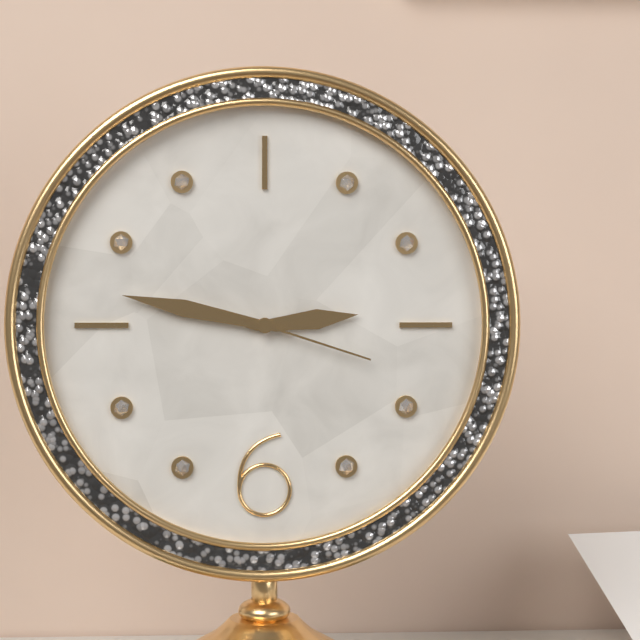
2:47:18
